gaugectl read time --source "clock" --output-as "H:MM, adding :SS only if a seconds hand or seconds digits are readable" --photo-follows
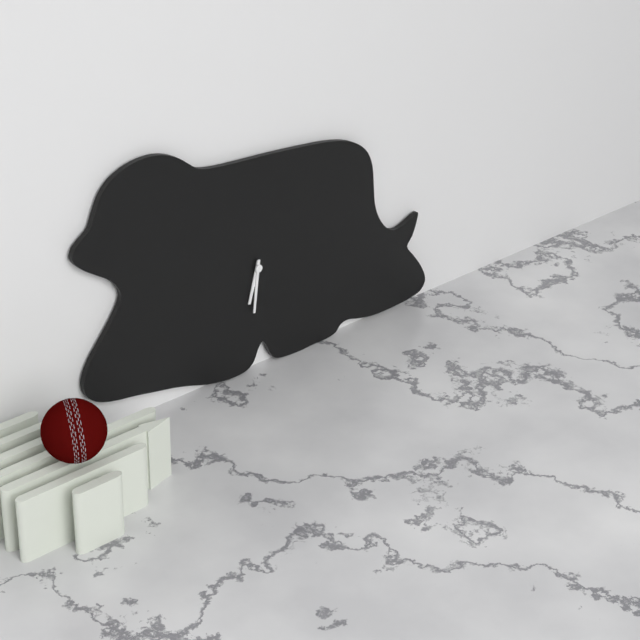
6:31
